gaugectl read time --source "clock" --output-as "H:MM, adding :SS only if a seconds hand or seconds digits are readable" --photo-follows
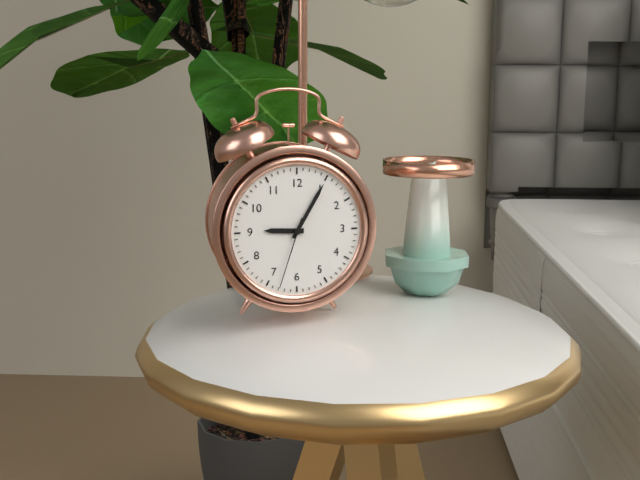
9:05:33
